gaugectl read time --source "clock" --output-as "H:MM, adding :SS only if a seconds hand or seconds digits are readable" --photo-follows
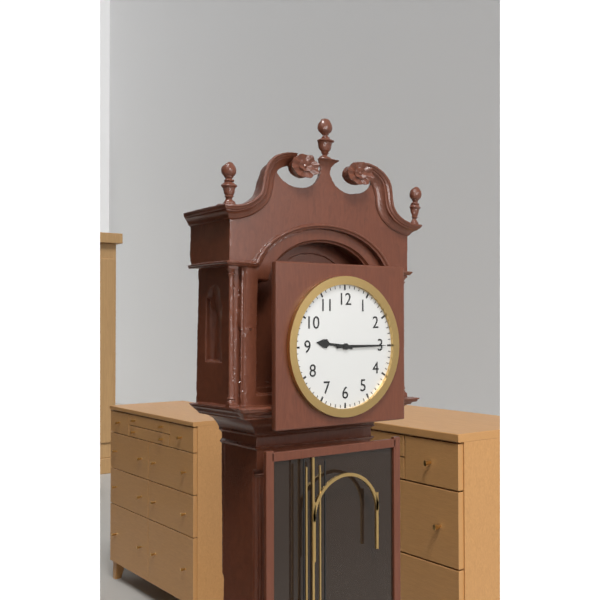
9:15
